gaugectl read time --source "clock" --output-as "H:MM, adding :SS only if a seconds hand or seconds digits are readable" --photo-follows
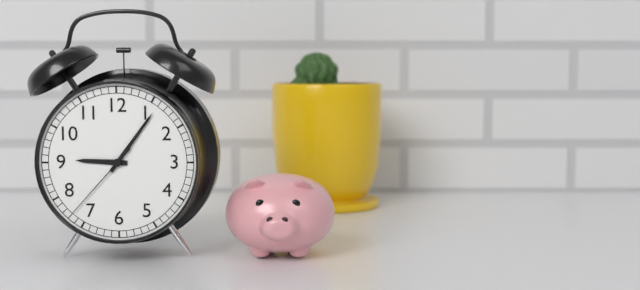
9:06:37
